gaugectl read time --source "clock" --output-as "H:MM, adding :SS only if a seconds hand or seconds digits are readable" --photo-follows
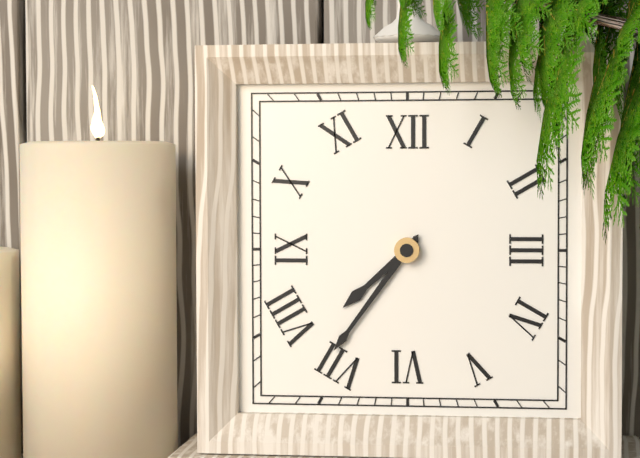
7:36
